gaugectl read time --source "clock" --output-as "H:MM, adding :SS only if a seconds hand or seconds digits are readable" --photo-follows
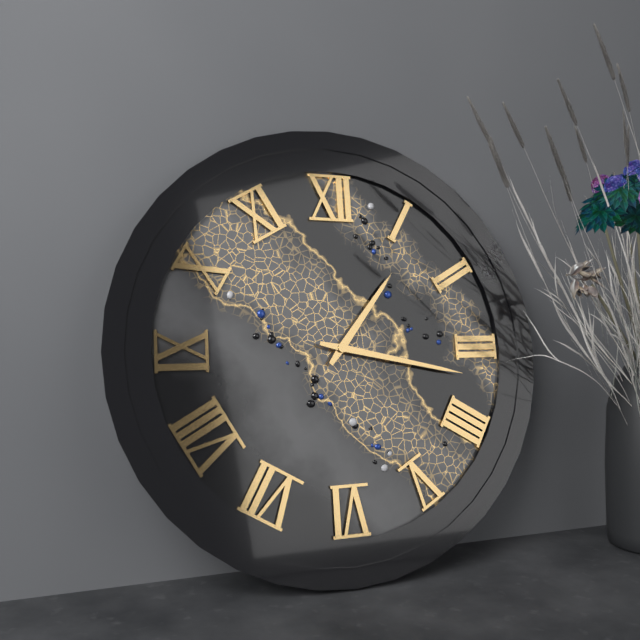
1:17
